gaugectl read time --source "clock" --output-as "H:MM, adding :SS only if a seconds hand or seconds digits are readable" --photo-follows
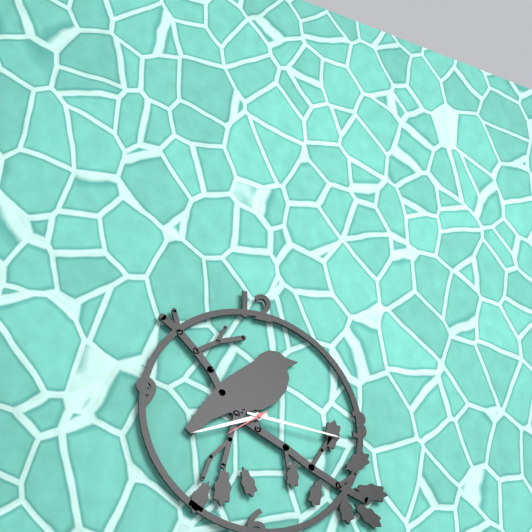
8:16
